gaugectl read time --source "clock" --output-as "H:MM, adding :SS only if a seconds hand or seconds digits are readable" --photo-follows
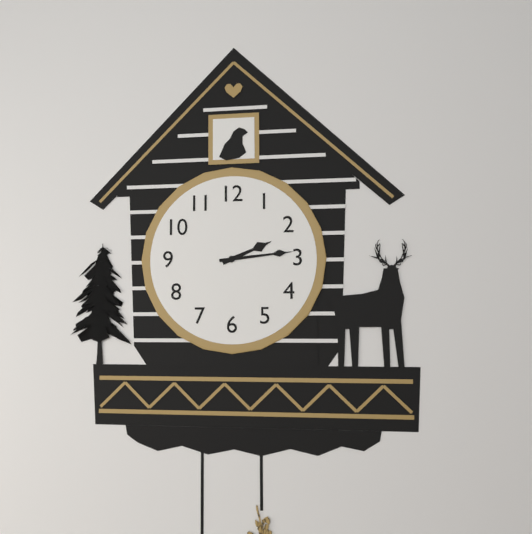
2:14
